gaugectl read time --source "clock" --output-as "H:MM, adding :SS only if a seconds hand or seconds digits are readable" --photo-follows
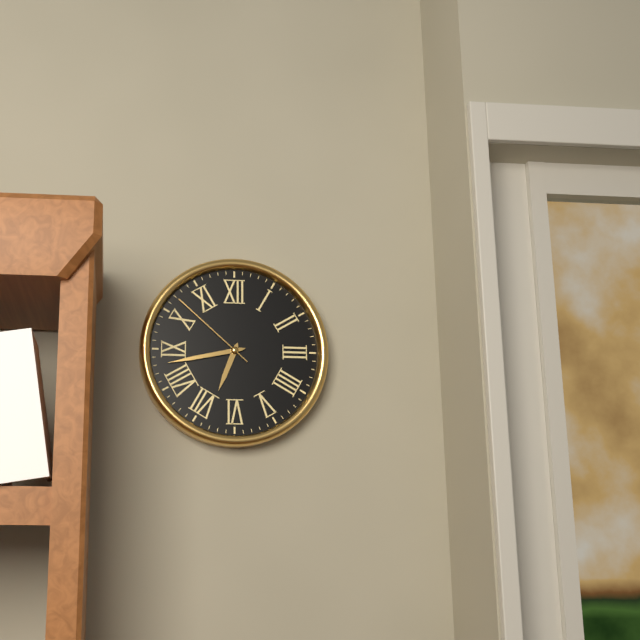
6:43:52
